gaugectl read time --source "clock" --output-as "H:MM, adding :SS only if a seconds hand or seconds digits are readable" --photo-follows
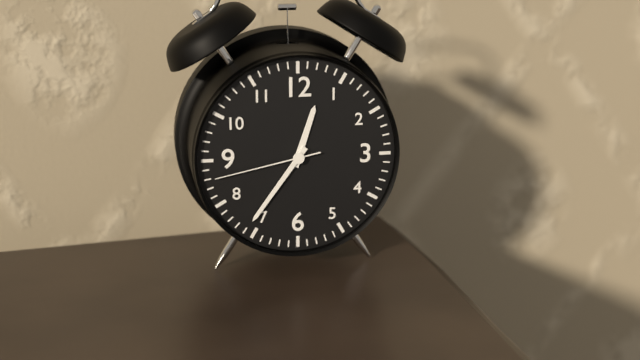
12:36:43
